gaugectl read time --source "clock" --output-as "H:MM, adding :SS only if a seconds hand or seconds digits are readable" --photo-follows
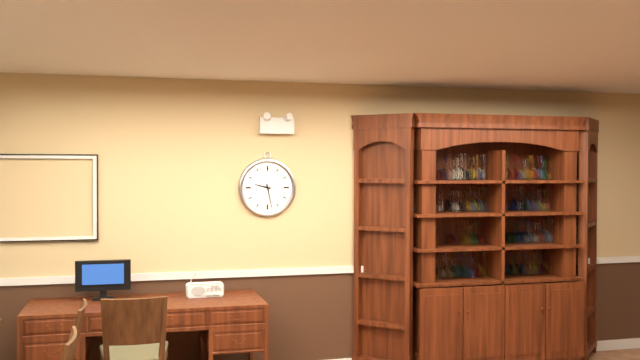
9:28
